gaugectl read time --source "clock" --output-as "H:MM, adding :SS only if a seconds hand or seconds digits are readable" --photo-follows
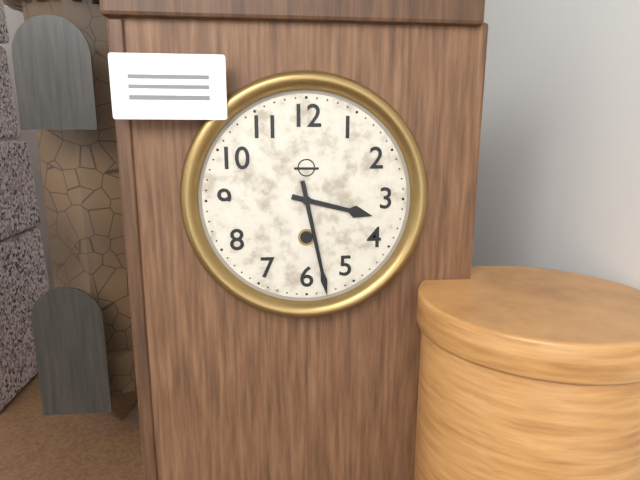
3:28
